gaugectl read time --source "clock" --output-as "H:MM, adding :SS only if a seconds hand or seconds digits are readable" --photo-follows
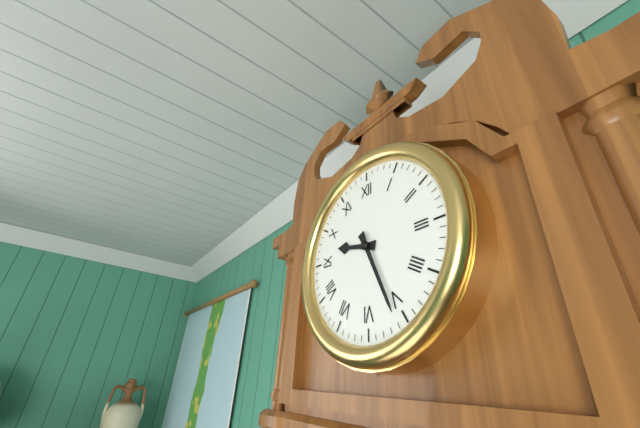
9:26
